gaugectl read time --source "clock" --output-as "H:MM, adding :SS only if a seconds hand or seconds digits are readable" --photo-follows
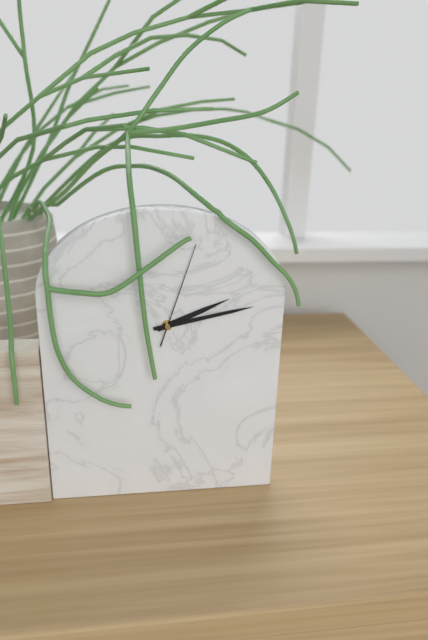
2:13:03
